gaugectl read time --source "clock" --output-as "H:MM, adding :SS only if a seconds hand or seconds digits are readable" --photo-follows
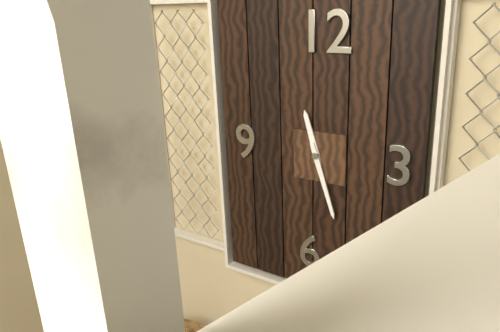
11:27
